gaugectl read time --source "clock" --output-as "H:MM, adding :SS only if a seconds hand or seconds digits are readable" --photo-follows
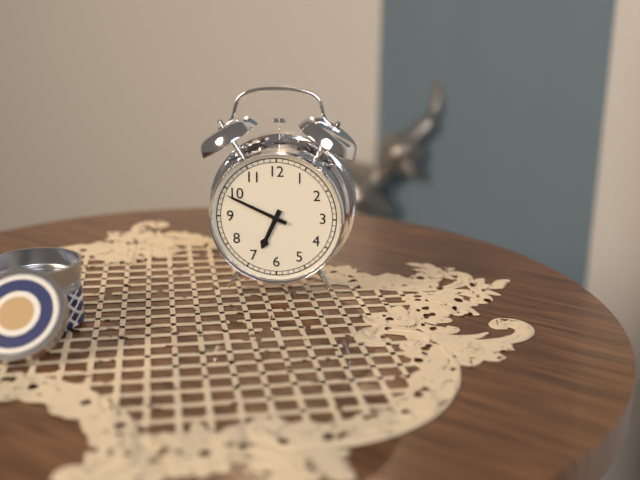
6:49
